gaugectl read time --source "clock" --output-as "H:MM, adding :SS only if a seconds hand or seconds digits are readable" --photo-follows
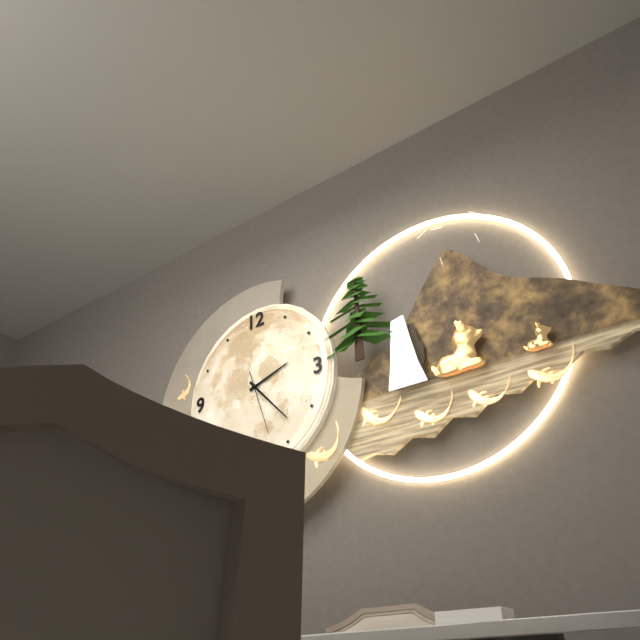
2:23:27
